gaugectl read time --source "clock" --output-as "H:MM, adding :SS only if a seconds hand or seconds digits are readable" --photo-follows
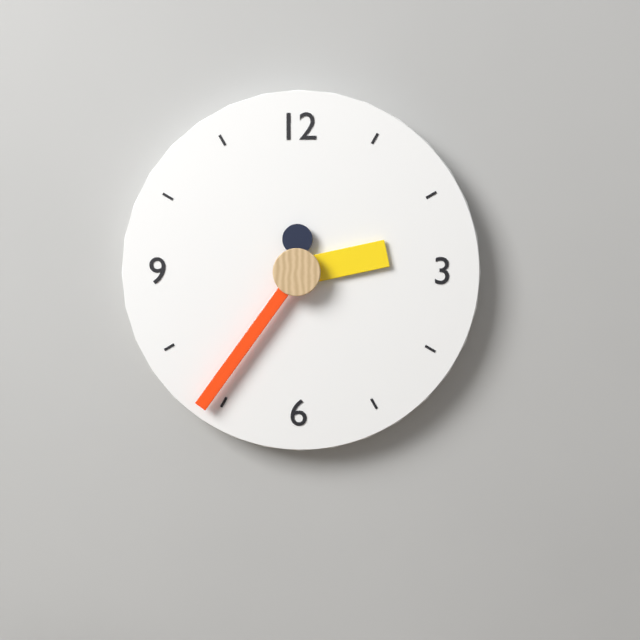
2:36
